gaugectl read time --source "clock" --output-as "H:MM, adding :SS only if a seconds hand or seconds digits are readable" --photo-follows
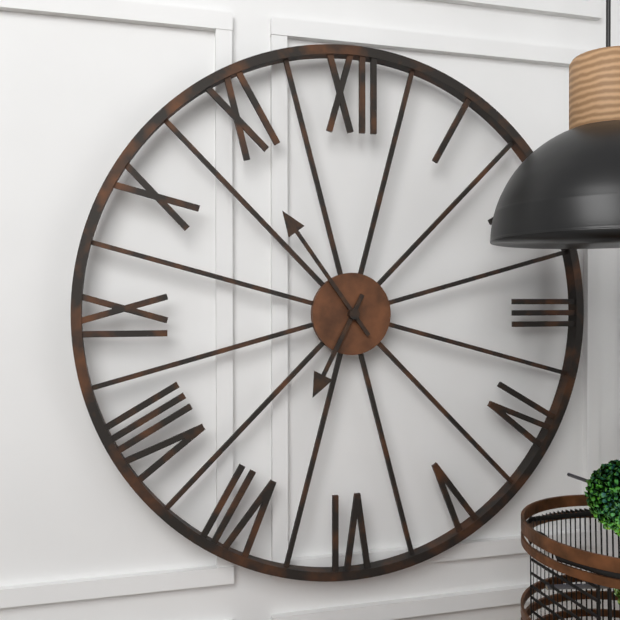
6:54
